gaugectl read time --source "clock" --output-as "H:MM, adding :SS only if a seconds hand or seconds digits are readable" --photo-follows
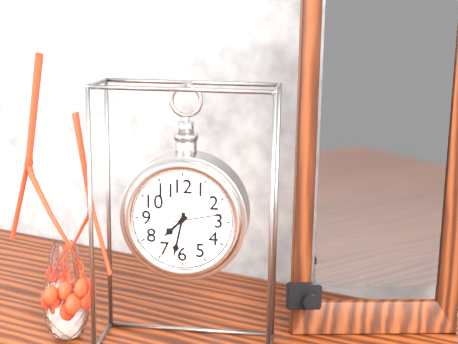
7:32
